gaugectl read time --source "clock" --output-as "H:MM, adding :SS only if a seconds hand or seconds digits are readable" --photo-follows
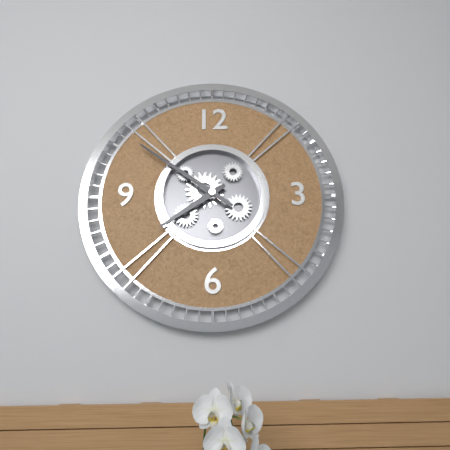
7:51
